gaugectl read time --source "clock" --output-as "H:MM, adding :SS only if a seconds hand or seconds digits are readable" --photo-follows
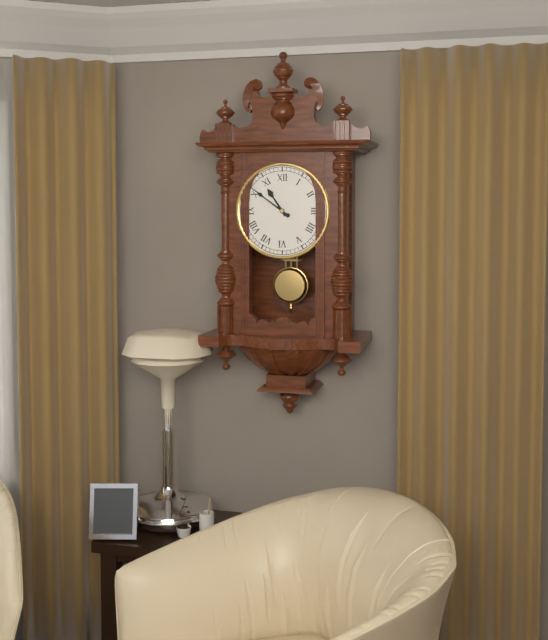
10:51
